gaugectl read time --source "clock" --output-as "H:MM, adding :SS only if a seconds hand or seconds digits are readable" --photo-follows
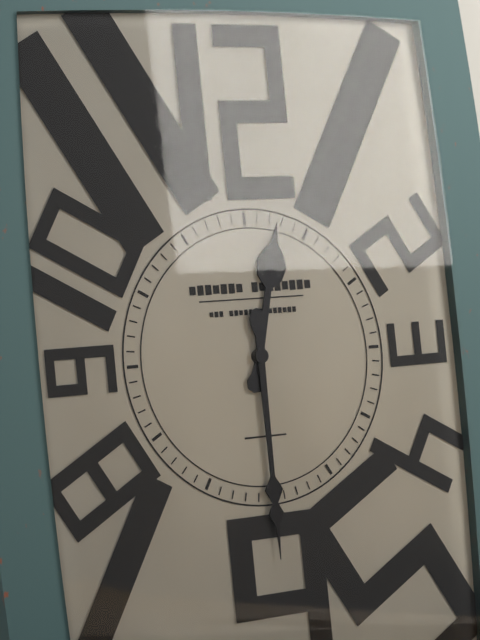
12:30
